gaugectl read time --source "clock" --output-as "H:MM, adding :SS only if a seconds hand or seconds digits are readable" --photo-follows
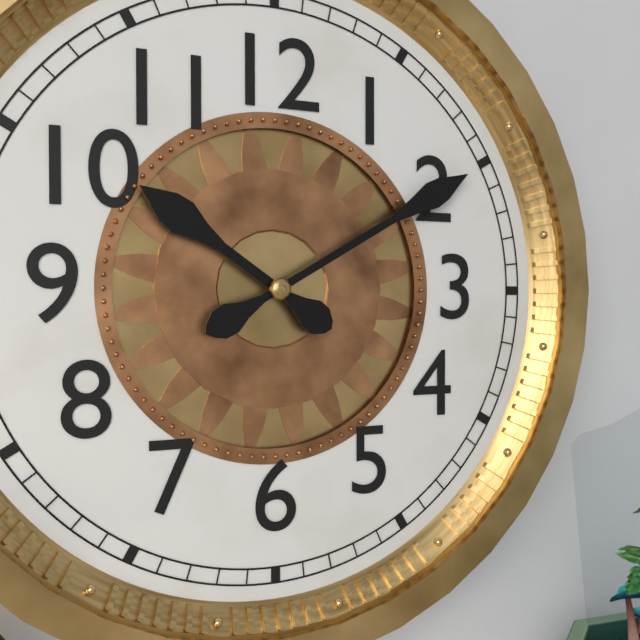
10:10
